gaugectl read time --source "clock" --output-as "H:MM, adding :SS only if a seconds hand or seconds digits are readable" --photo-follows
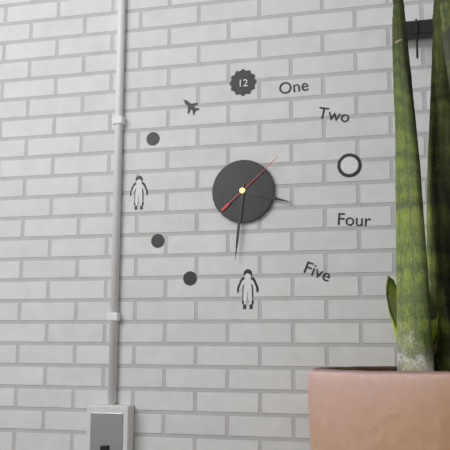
3:31:08
